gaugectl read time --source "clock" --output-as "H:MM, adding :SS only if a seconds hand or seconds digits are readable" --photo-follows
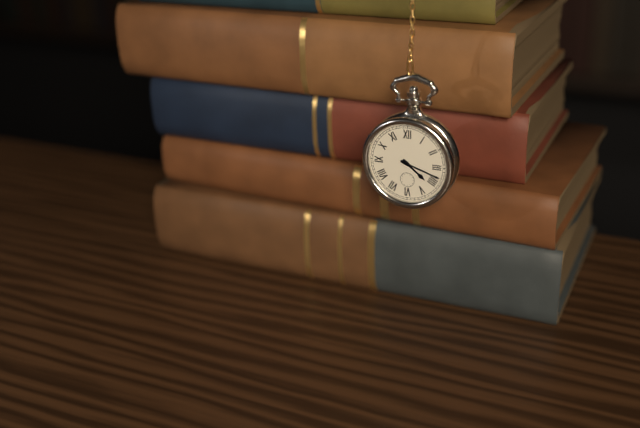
4:18
